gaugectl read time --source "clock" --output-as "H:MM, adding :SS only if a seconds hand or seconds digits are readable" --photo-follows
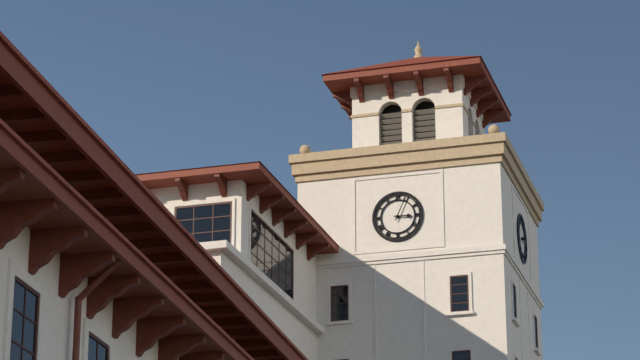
3:04
